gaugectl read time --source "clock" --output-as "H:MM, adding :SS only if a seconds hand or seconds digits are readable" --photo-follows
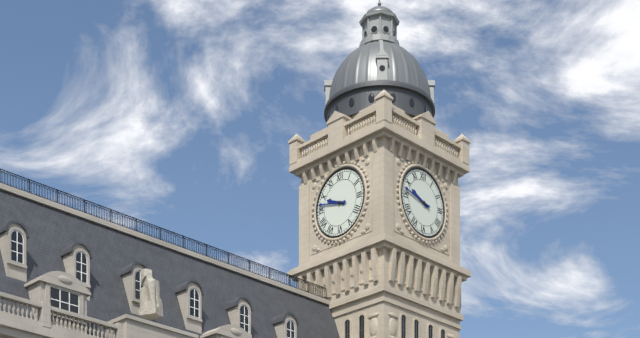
9:47
